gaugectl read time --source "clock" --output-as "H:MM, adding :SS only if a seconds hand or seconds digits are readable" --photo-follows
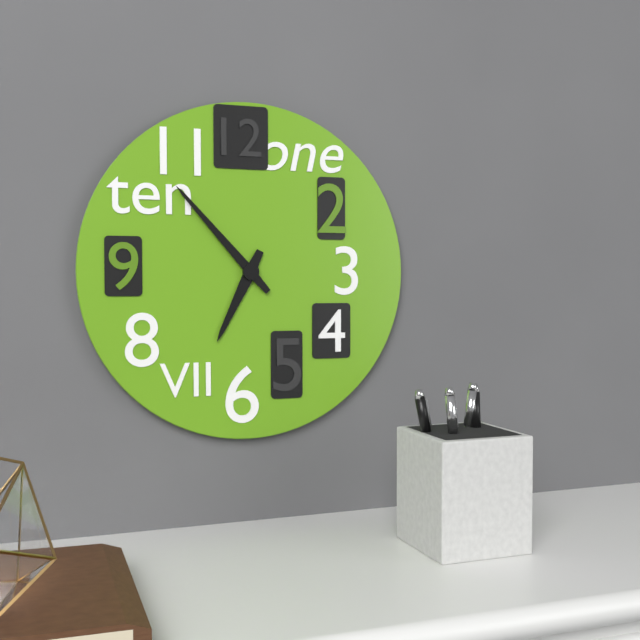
6:53
